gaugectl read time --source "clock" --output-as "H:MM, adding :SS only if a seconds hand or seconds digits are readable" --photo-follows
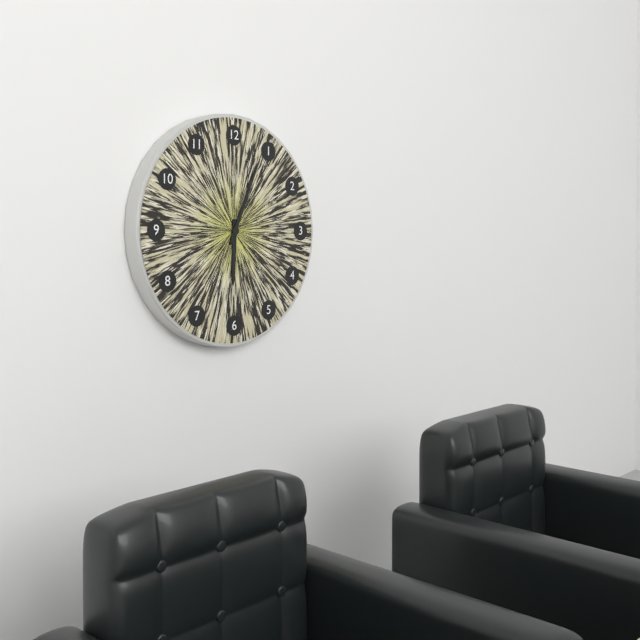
6:04
